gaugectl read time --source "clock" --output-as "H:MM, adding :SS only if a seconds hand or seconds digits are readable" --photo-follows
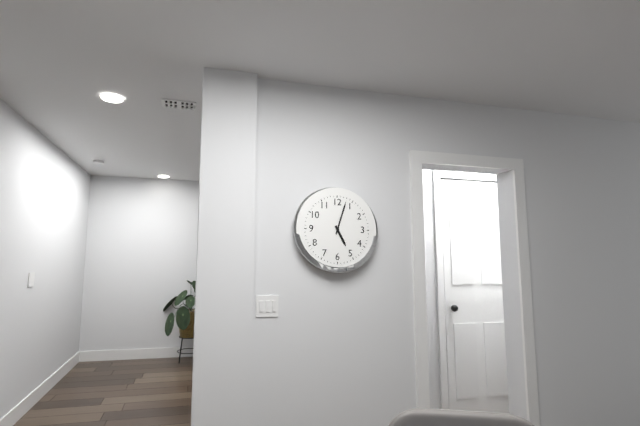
5:03
